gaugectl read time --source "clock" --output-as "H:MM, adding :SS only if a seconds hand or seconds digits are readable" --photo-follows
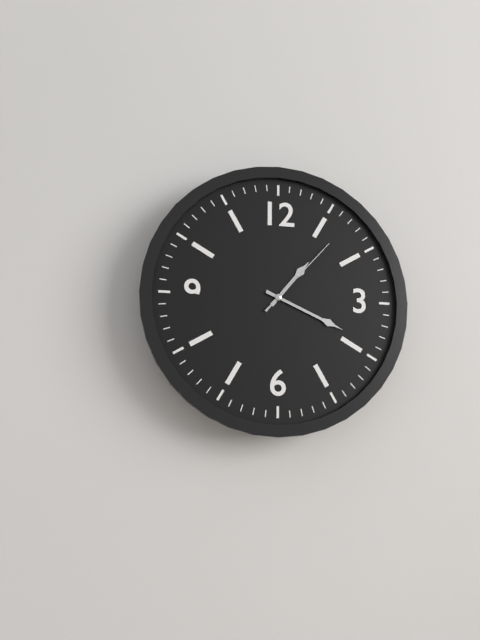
1:19:07
